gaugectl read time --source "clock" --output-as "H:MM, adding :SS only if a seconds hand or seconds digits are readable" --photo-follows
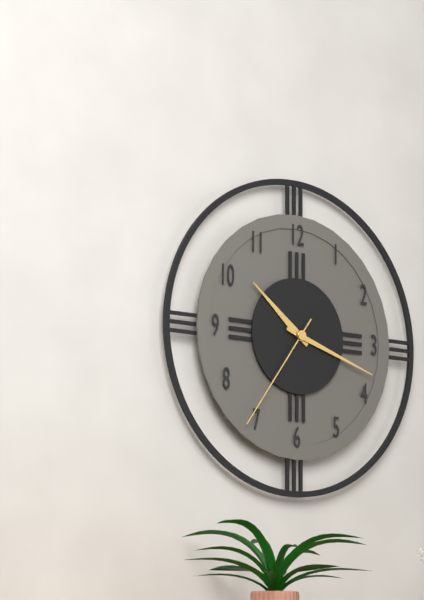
10:18:36
